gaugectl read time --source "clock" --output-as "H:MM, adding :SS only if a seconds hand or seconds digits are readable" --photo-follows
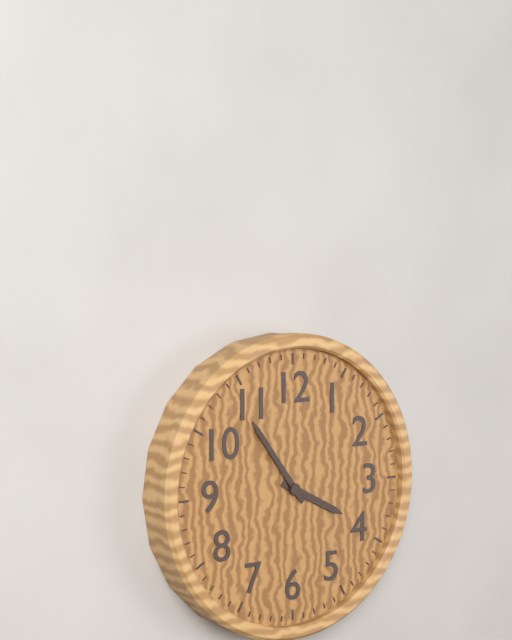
3:54
